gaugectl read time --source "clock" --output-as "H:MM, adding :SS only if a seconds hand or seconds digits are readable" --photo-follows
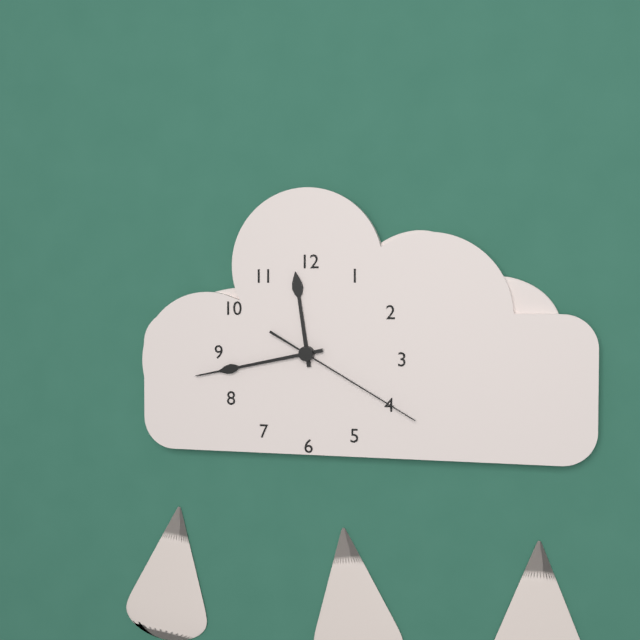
11:43:20
